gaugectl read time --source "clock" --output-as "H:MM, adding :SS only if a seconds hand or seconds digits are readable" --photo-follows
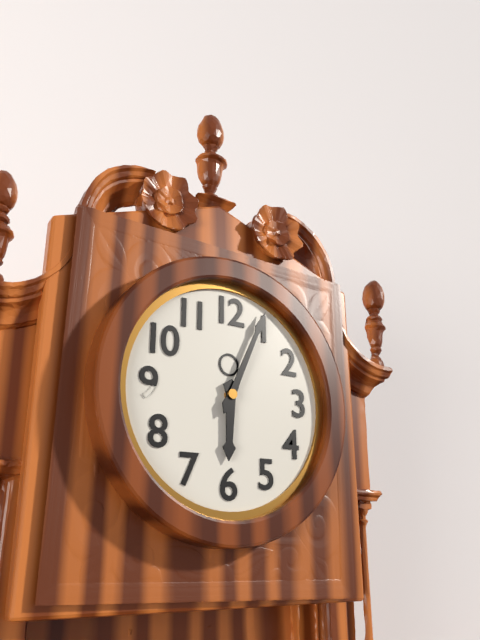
6:04
